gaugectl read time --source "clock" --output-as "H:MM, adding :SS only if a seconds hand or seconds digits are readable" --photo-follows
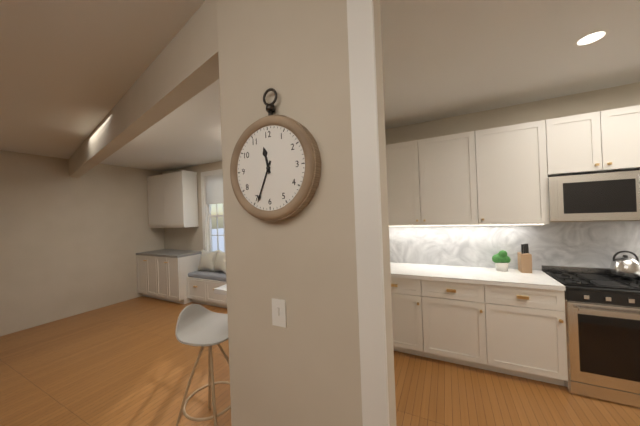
11:34
